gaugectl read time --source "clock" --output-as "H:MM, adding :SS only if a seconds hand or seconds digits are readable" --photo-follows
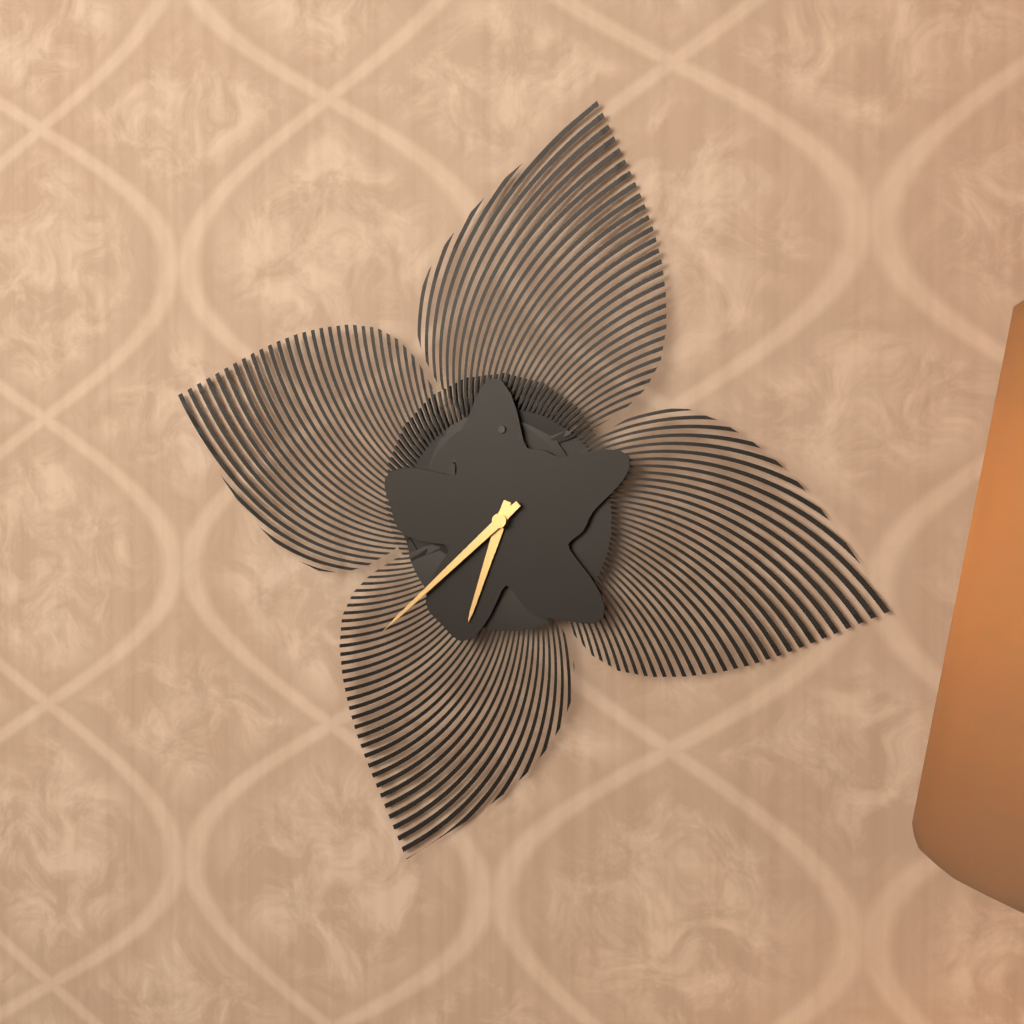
6:38
